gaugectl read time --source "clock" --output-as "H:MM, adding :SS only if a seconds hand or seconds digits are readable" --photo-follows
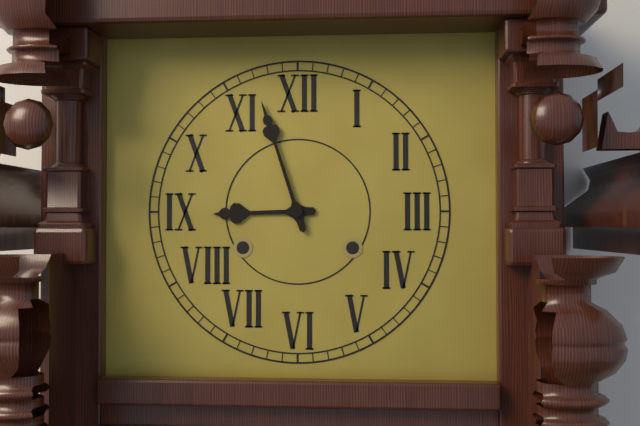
8:57
